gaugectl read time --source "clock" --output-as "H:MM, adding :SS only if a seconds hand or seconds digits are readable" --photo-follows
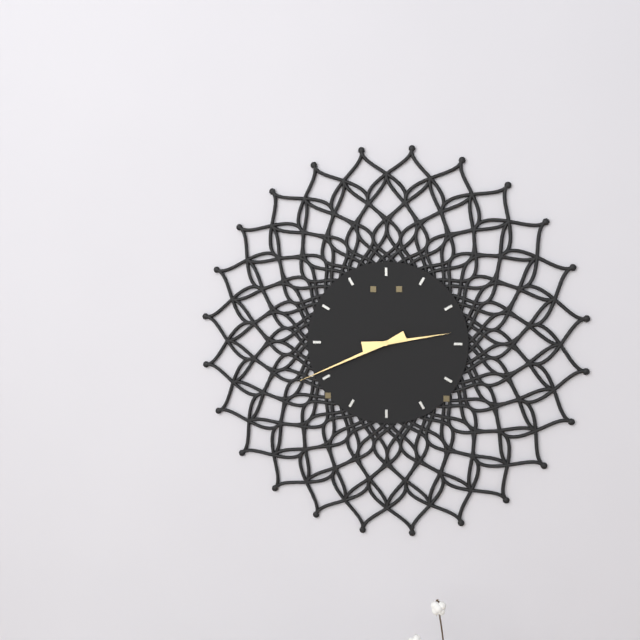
2:41
